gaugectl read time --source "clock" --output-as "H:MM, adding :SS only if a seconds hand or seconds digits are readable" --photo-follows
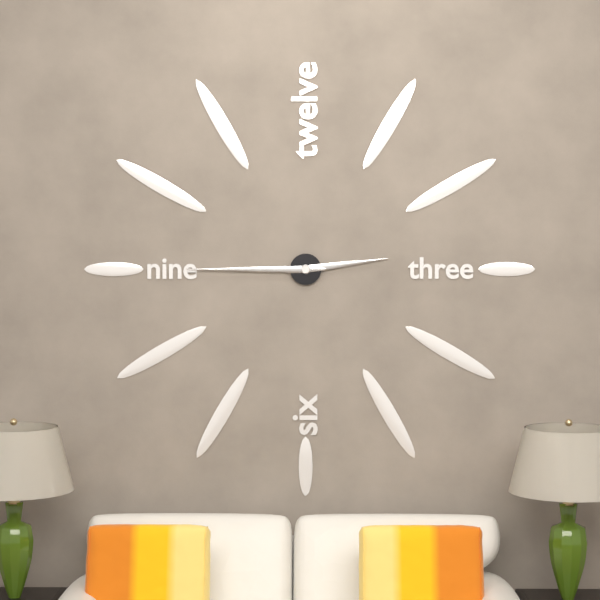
2:45
